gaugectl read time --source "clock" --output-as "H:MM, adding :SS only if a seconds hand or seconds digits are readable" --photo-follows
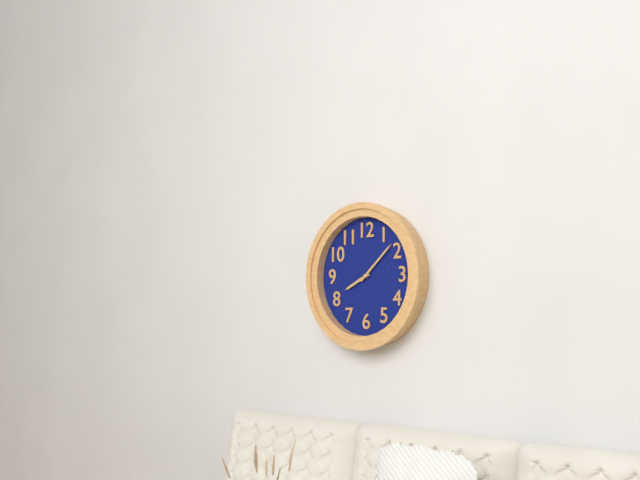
8:08
